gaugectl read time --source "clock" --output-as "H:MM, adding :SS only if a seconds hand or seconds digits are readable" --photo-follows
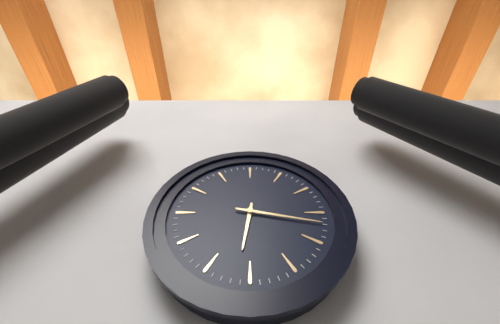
6:17
